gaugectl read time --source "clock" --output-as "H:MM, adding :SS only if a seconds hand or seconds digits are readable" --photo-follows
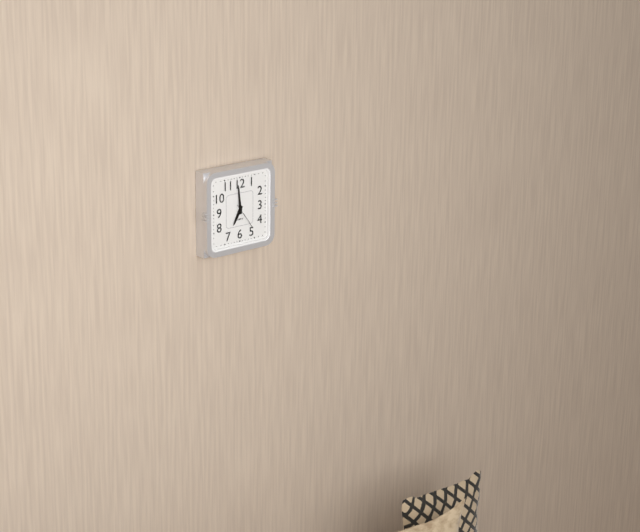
6:59
